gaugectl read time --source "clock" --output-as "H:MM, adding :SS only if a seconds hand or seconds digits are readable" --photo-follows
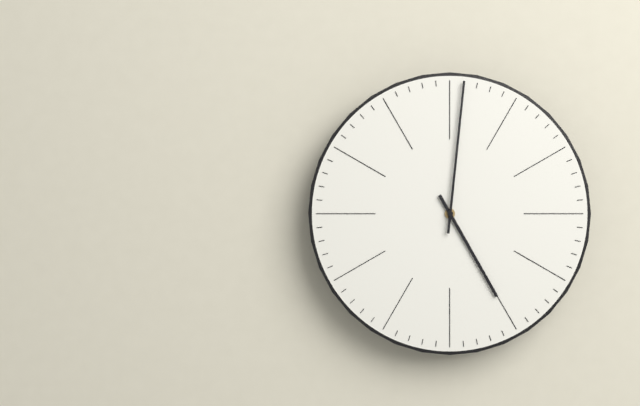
5:01
